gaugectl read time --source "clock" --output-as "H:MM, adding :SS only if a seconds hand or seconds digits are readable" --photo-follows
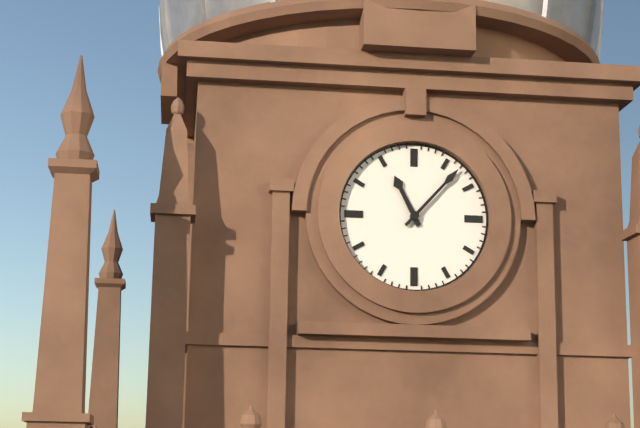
11:07
